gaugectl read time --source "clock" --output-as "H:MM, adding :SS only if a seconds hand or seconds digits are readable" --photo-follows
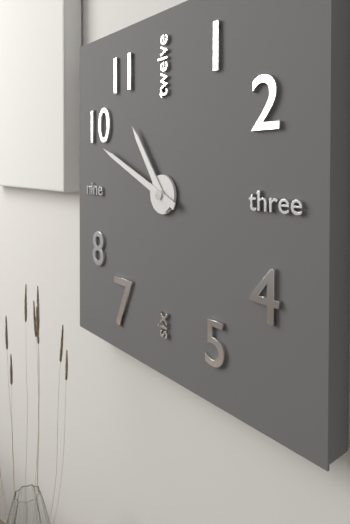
10:49
